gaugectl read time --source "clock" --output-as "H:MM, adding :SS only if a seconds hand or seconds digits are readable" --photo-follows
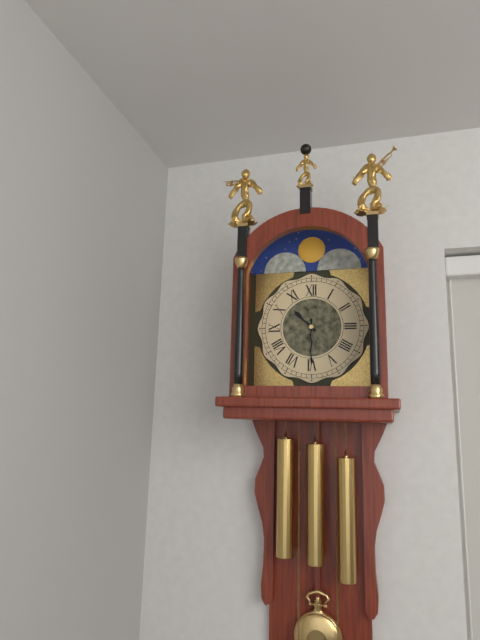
10:30
